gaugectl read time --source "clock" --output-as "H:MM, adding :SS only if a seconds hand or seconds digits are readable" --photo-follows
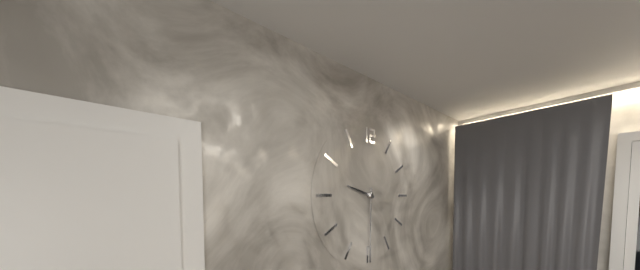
9:30
